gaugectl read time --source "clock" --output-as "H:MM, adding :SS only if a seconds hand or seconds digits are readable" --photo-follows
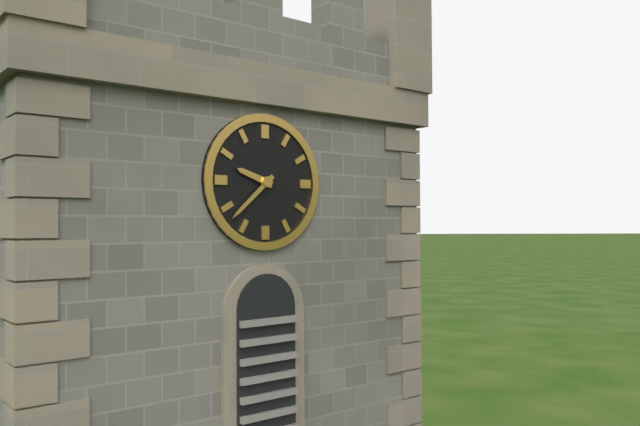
9:38
